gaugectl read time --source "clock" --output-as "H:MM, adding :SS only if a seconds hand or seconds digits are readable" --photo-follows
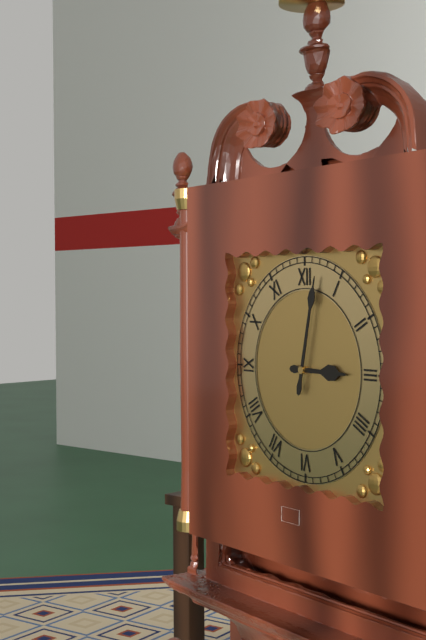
3:02
